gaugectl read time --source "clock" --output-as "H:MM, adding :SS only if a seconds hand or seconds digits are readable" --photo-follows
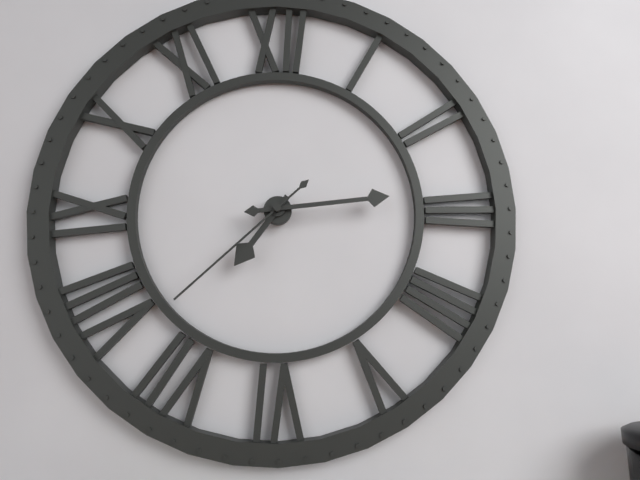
7:14:38
